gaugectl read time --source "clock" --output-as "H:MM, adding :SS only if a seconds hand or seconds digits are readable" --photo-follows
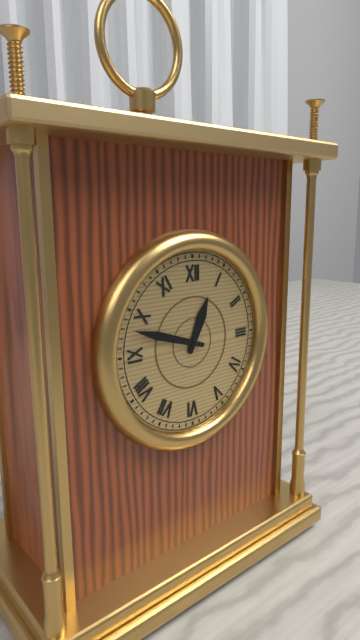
12:48
